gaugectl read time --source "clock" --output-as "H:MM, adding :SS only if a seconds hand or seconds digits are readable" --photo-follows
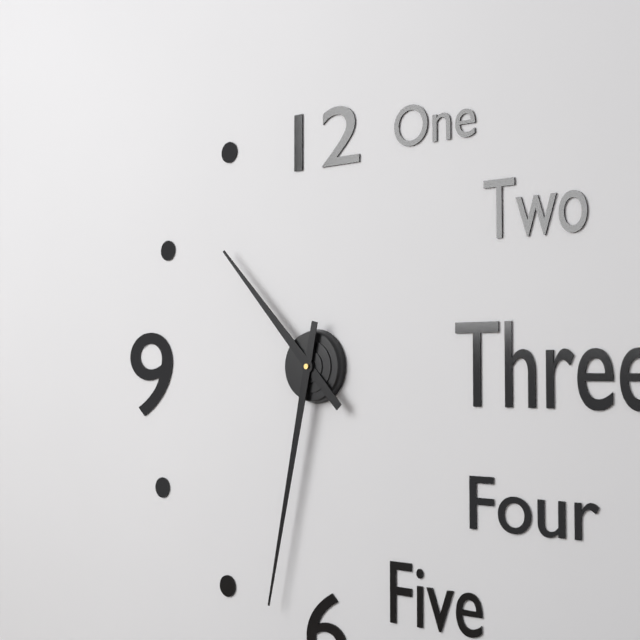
10:32
